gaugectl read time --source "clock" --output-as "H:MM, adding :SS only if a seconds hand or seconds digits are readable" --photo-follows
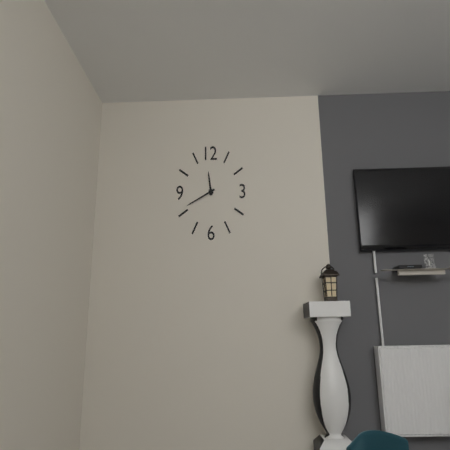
11:41
